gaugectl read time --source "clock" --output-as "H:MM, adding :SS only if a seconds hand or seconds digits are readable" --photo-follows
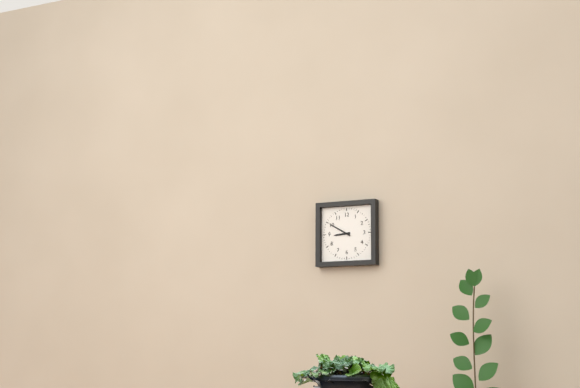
8:50
